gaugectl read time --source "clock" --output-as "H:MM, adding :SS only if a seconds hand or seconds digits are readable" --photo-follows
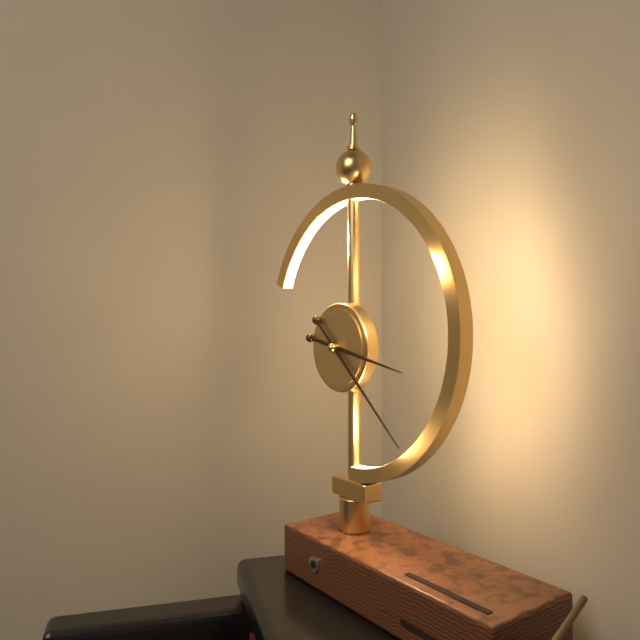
3:22
